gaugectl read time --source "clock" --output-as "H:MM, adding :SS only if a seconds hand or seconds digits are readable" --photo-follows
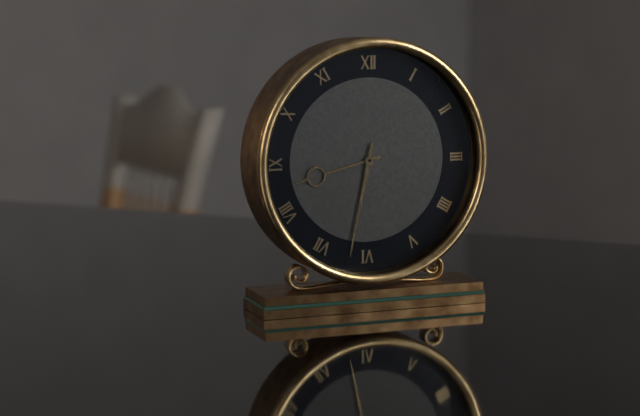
8:32
